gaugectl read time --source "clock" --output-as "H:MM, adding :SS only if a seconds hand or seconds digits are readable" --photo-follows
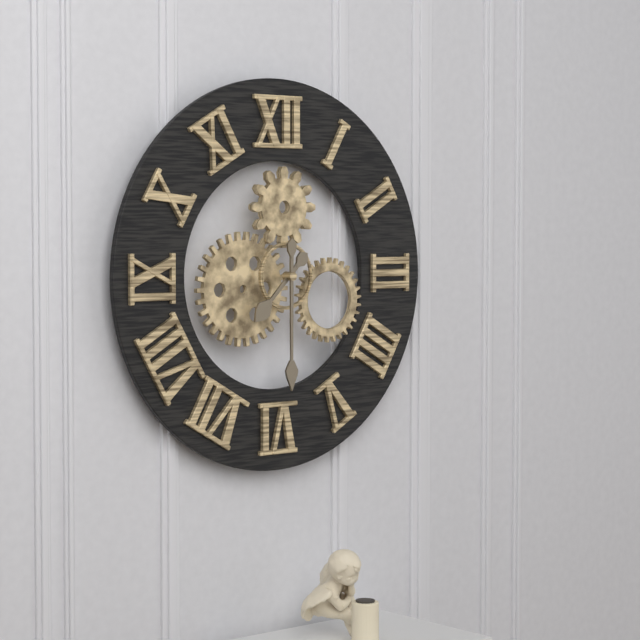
7:30
